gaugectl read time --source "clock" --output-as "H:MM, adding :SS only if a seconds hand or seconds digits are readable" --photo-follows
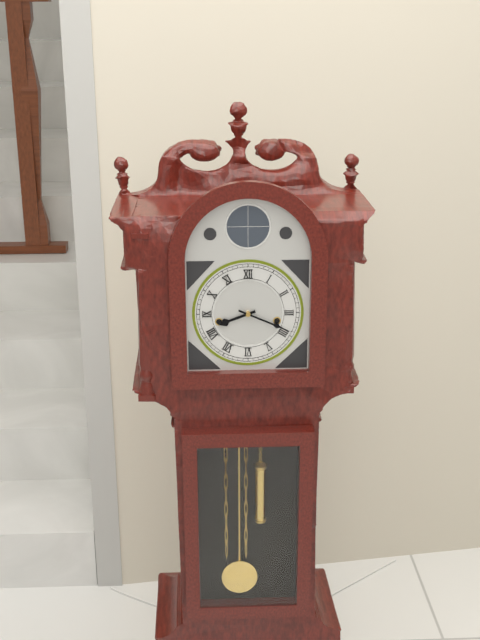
8:19
